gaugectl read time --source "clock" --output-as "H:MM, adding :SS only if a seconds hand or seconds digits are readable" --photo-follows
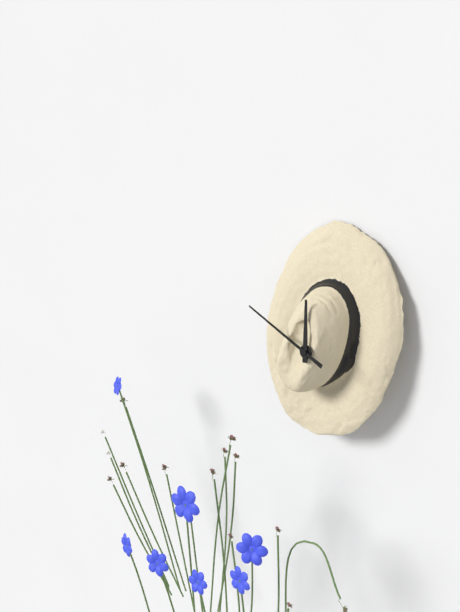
11:49
